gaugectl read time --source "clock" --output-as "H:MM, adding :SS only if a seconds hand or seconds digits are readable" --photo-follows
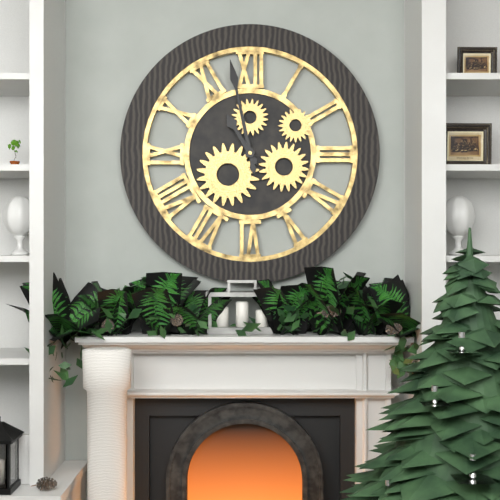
10:58
